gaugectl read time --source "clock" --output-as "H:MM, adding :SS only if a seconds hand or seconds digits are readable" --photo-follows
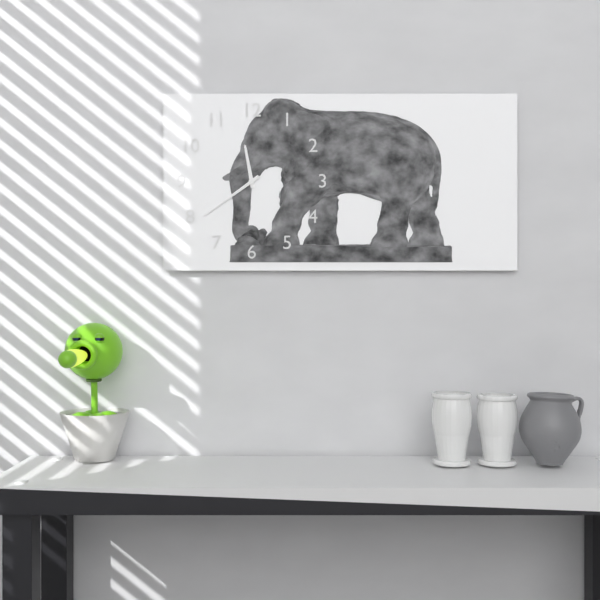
11:39
